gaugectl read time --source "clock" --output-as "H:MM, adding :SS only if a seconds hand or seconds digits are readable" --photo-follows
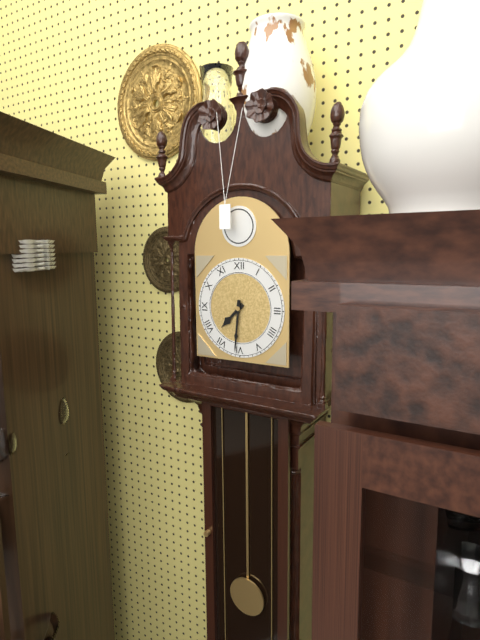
7:31
